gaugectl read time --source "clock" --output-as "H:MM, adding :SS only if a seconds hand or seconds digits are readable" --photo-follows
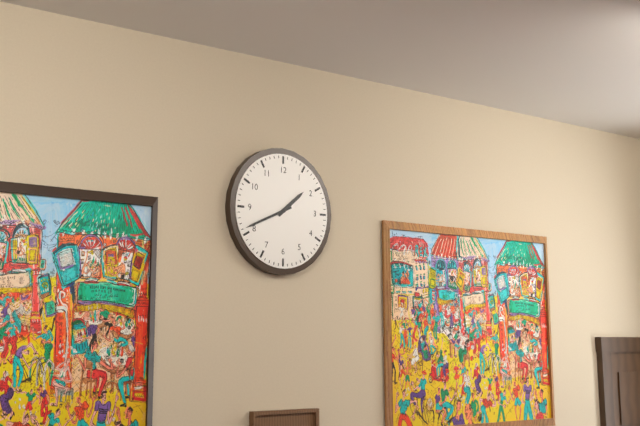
1:41
